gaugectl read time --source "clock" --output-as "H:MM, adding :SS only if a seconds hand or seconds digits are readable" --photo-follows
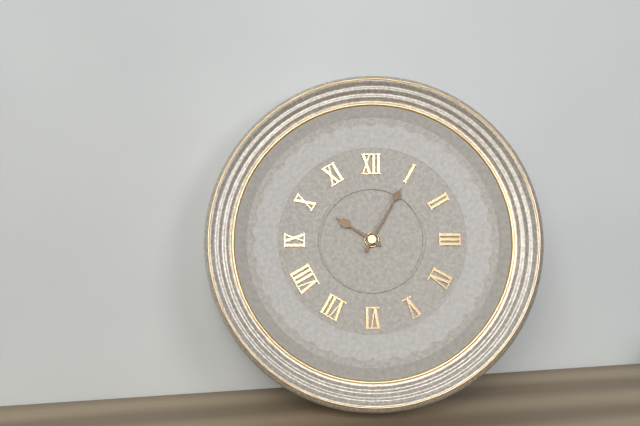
10:05
